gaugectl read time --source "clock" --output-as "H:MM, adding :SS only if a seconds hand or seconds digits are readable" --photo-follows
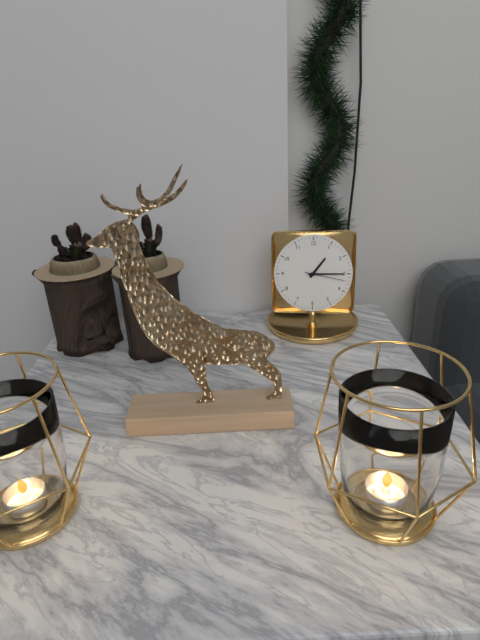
1:15
